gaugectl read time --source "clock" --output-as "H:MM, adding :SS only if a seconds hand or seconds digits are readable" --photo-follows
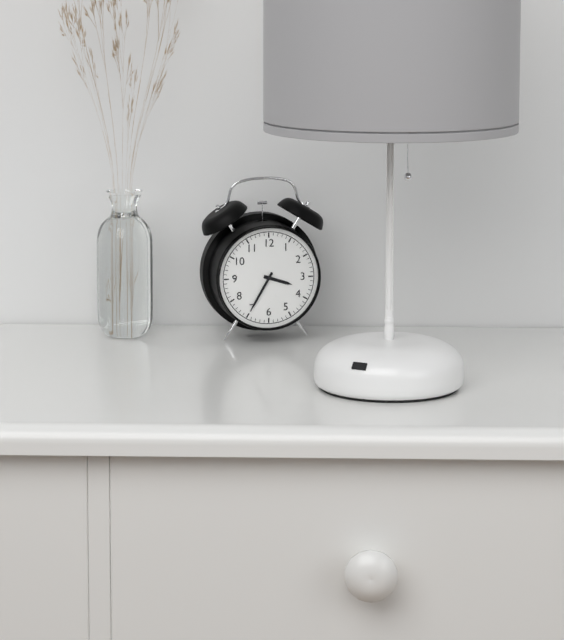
3:35
